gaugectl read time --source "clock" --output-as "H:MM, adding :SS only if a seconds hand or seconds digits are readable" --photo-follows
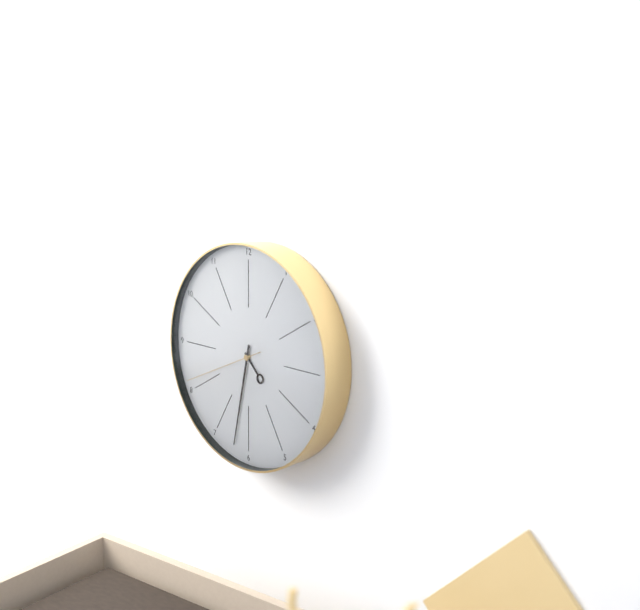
4:32:41
